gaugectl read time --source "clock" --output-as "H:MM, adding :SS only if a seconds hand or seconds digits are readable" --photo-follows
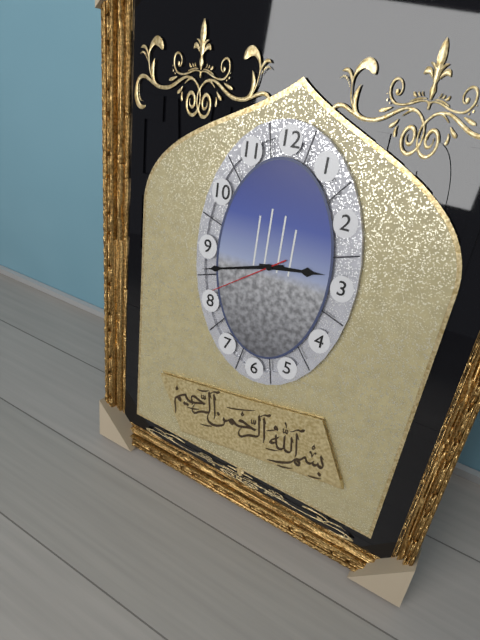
2:42:39
